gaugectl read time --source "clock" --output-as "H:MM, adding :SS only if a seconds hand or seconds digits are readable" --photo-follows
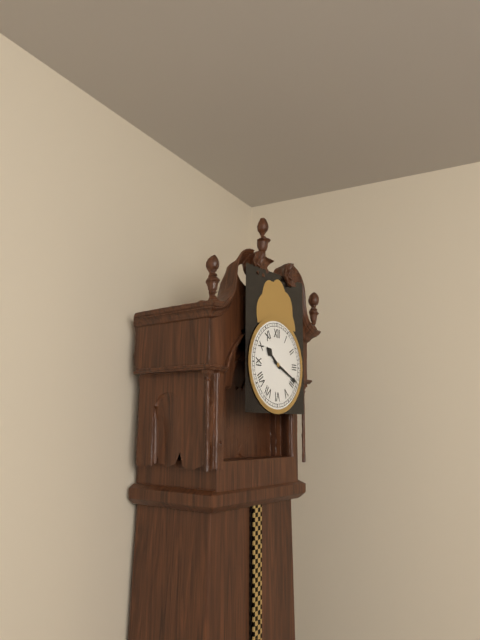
10:19
